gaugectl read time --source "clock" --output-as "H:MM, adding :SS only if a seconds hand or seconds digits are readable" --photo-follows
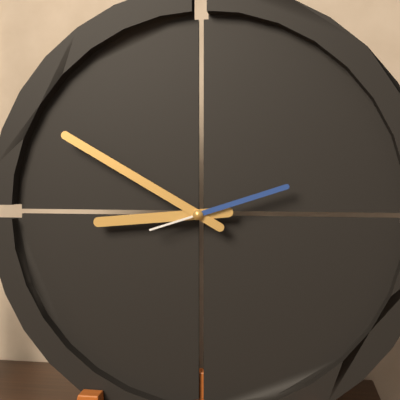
8:50:12
